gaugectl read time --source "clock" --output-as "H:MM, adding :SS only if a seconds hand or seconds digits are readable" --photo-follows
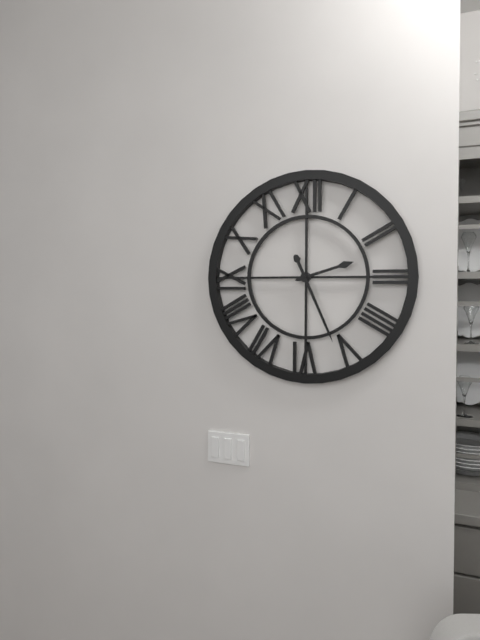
2:26
